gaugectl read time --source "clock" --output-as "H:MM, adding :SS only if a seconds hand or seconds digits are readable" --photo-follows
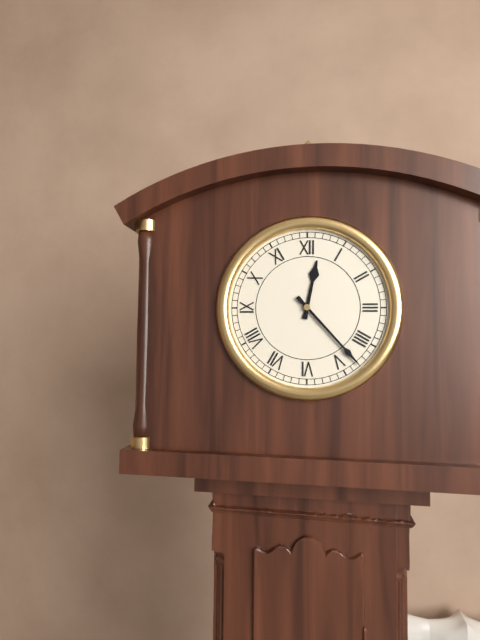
12:23
